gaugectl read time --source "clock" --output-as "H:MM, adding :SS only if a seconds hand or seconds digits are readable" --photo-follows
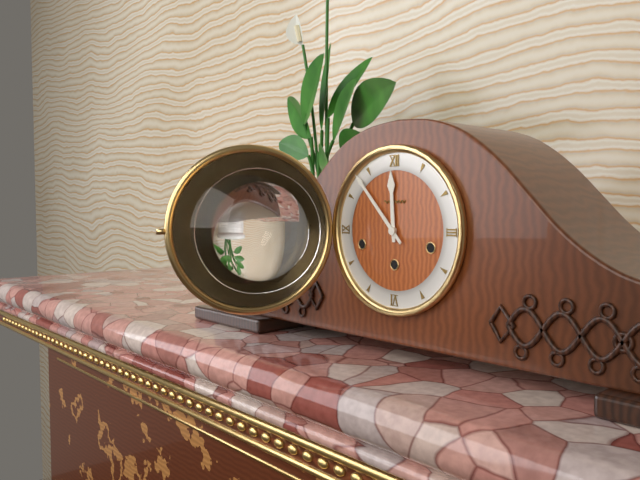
11:53
